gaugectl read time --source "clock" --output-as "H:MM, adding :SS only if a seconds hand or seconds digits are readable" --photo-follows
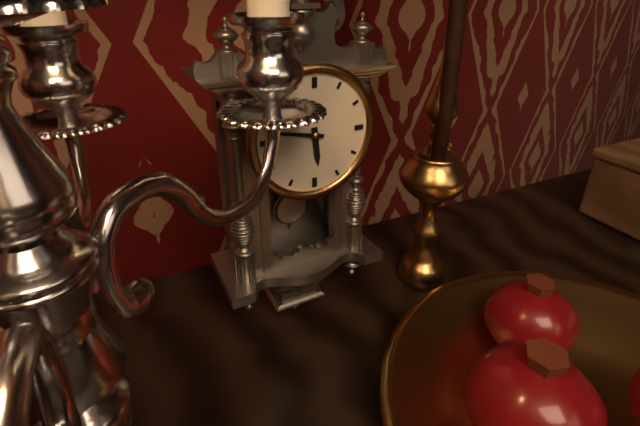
5:47
